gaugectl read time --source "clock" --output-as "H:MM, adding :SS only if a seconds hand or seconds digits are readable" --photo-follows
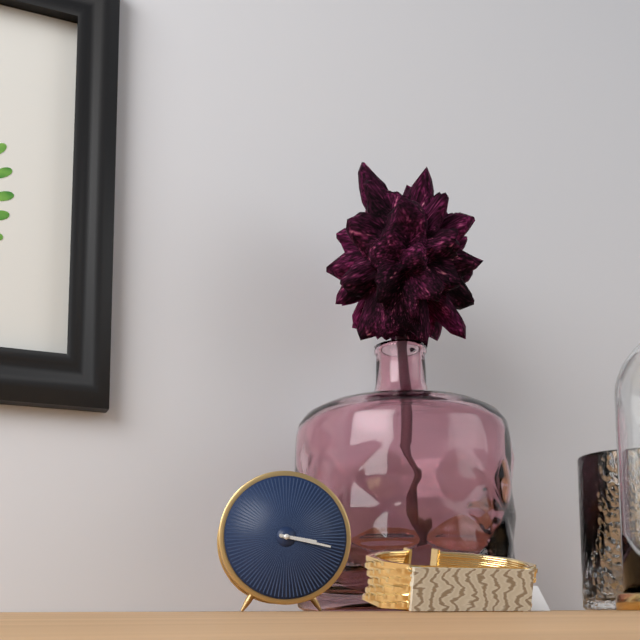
3:17
